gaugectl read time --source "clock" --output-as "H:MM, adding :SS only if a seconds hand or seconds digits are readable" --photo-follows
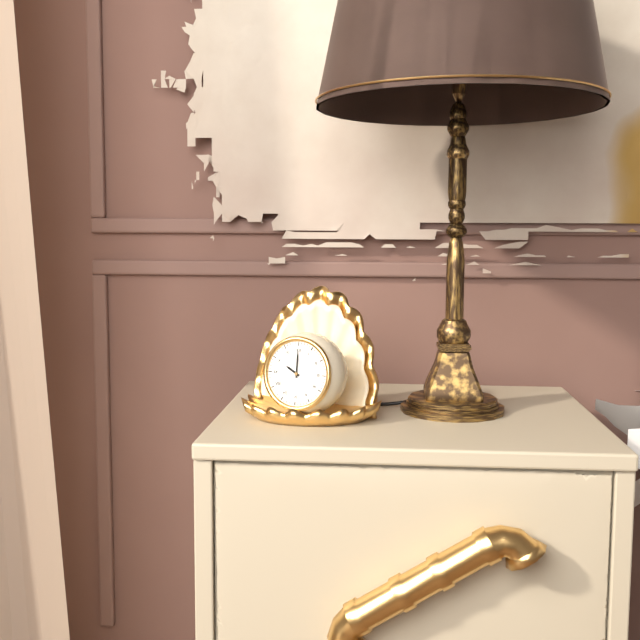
10:00
